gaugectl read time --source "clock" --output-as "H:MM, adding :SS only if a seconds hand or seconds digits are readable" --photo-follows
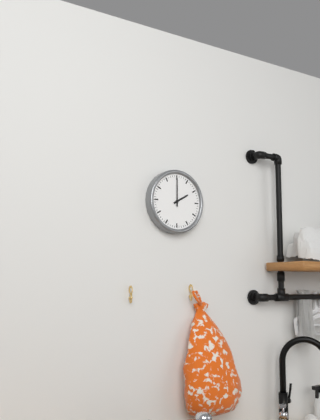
2:00
